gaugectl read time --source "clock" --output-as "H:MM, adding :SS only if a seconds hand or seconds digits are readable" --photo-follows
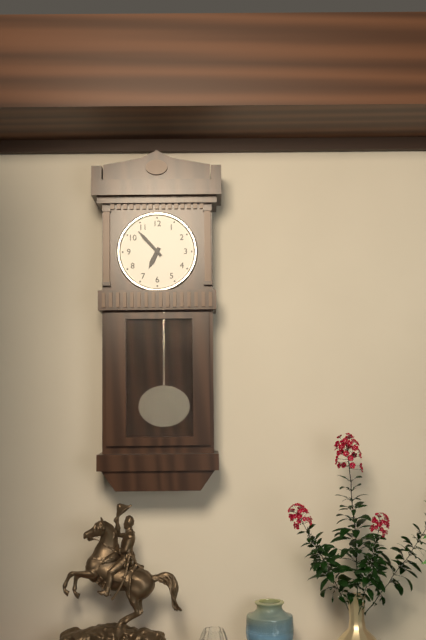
6:53
